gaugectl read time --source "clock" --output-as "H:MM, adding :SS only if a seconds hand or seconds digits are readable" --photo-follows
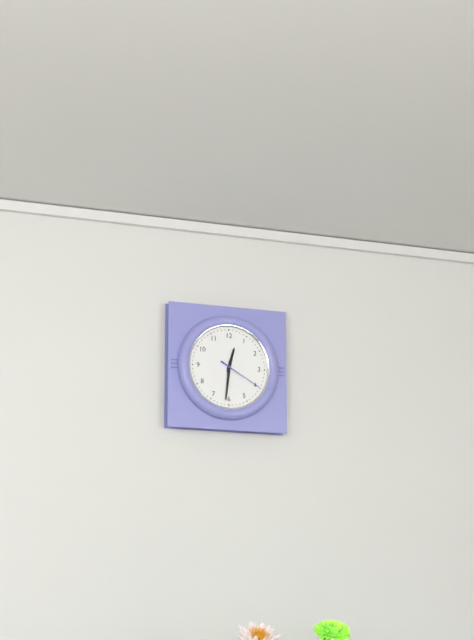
12:31
